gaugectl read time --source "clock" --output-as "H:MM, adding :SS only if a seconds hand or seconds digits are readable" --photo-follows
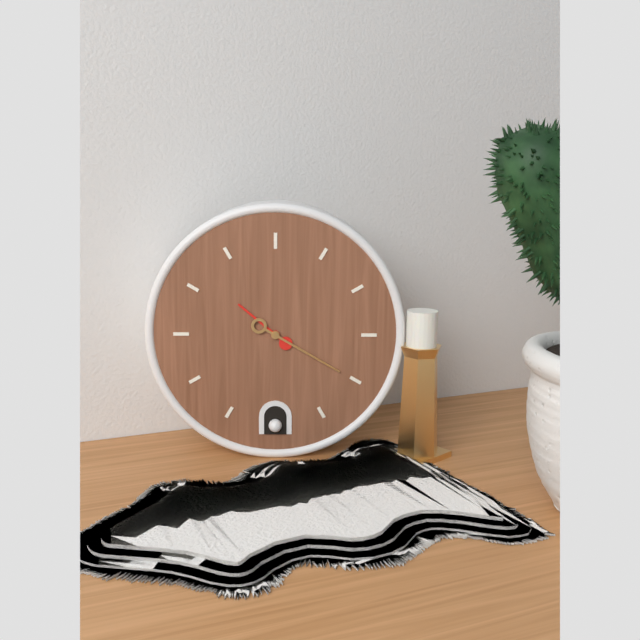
10:20
